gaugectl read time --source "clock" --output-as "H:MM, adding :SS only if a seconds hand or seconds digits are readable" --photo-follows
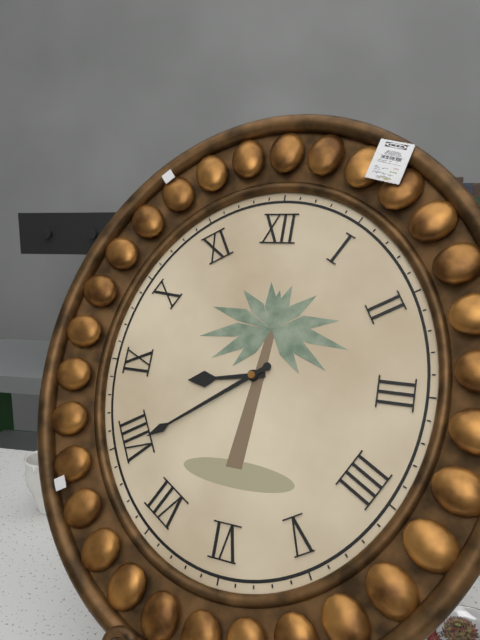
8:39
